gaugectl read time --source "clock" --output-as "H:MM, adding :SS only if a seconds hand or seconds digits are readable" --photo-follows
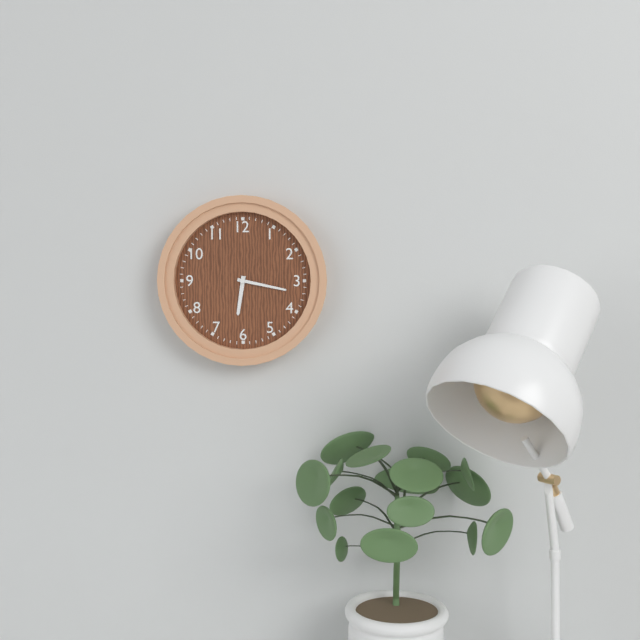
6:17
